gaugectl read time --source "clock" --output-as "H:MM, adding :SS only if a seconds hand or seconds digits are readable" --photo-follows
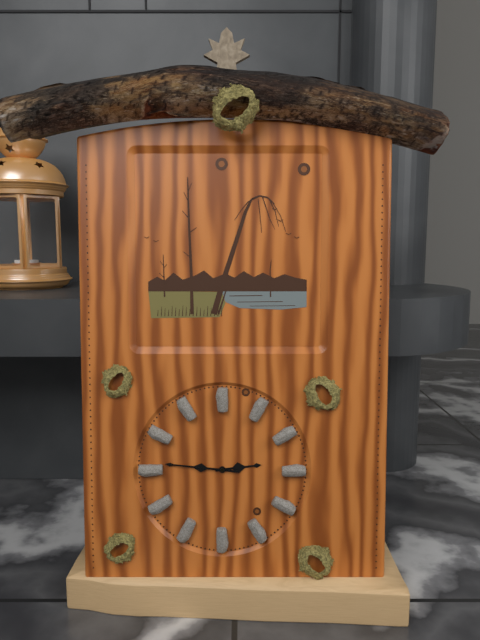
2:46:46
